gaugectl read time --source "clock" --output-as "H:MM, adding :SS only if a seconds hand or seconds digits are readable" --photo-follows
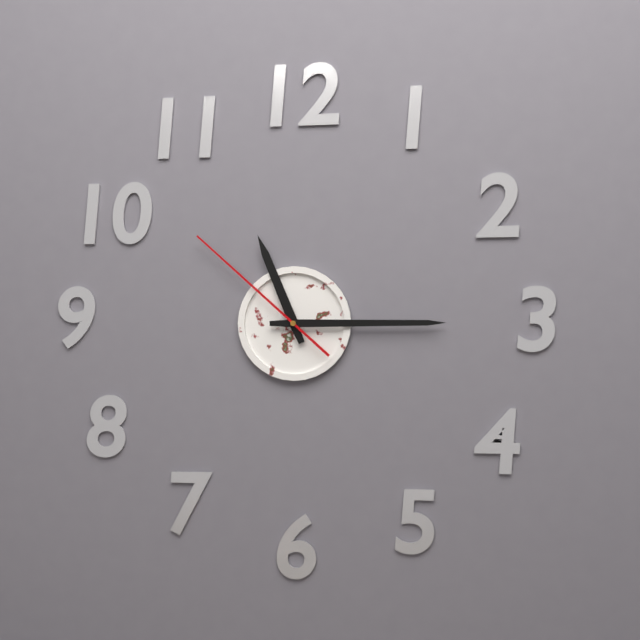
11:15:52
